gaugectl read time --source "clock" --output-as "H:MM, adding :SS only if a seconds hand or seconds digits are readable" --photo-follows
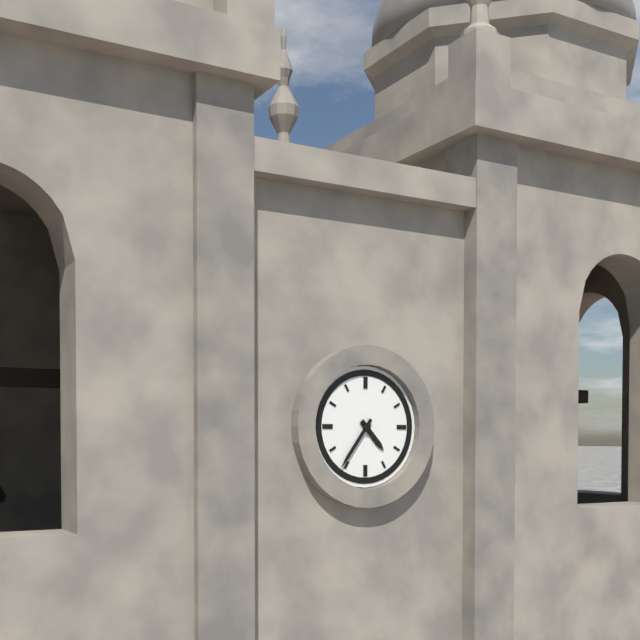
4:36
